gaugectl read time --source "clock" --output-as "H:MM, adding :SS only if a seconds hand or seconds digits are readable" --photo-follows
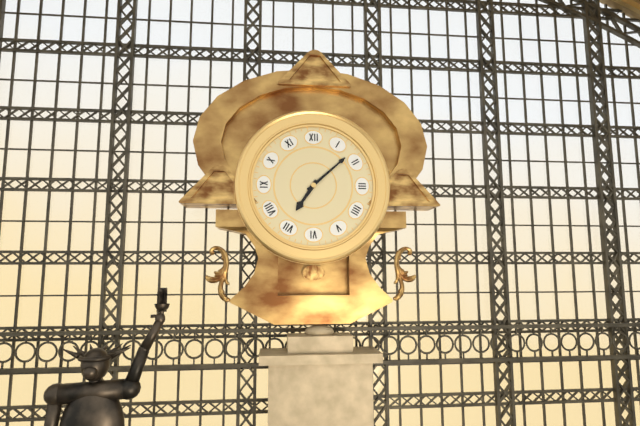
7:08
